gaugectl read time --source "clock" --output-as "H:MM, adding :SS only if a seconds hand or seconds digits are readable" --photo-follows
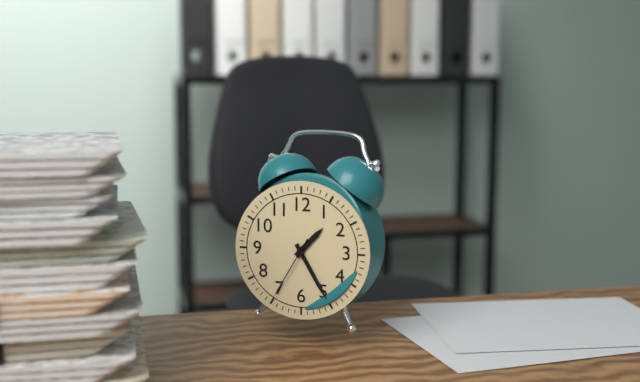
1:25:35
